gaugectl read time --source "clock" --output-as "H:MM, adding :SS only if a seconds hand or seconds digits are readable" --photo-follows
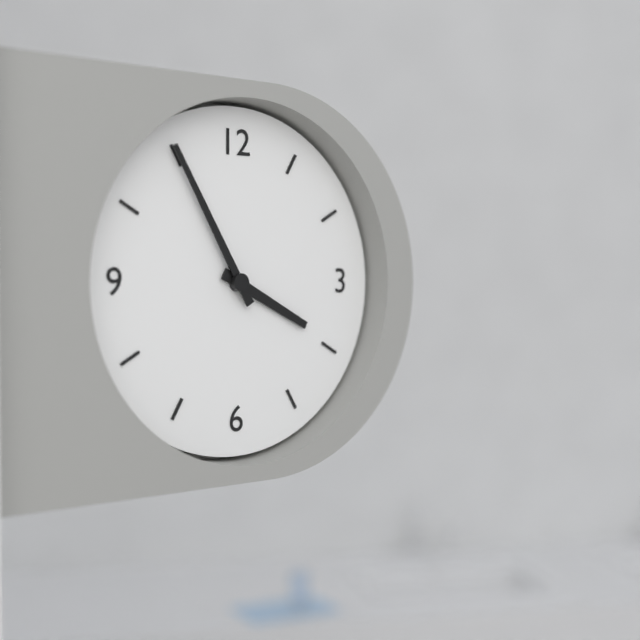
3:55
